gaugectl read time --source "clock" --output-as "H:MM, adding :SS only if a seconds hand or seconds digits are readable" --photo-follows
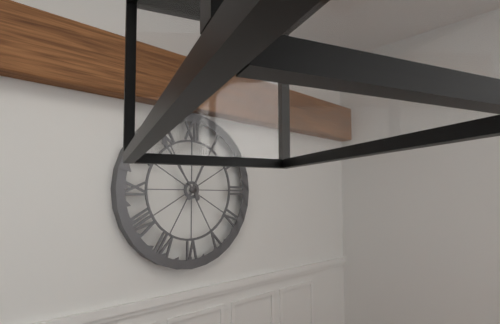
12:54
